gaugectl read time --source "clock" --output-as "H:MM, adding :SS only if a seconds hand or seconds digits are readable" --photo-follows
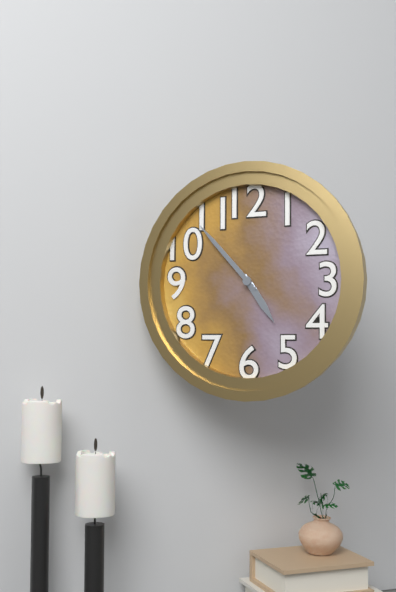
4:53
